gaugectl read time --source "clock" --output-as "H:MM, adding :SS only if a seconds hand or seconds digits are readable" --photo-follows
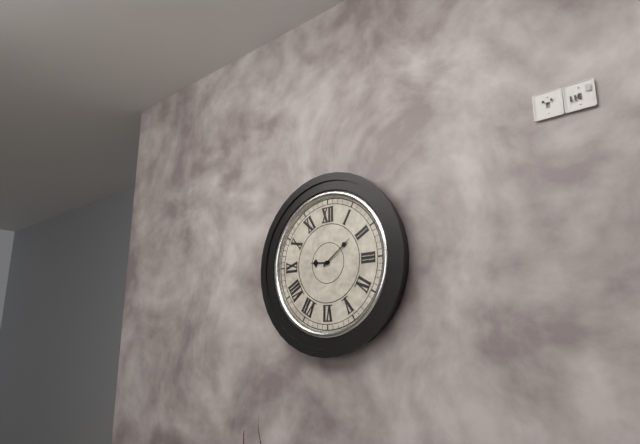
9:09
